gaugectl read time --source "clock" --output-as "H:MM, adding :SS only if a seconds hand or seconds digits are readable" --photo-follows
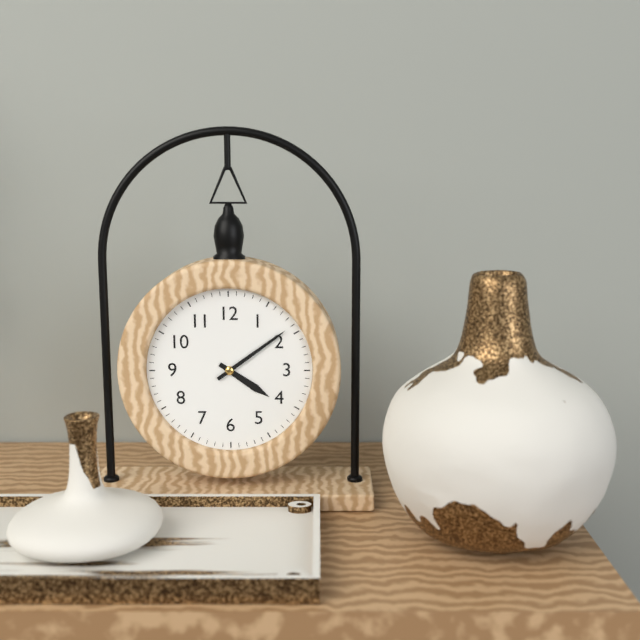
4:09
